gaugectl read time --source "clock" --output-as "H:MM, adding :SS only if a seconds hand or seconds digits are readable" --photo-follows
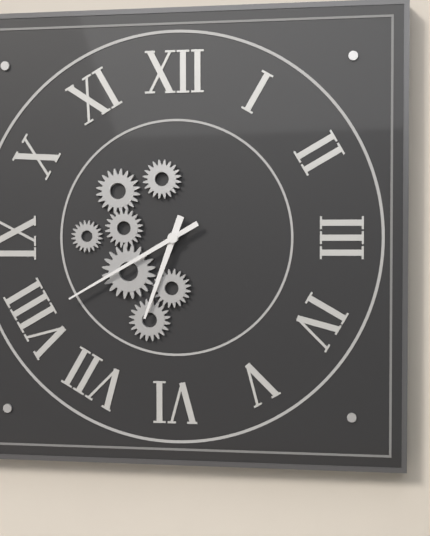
6:40
